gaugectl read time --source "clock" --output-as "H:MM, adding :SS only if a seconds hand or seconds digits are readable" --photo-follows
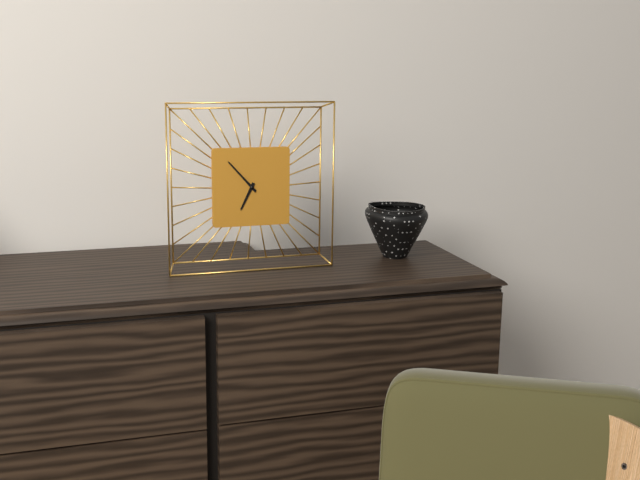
6:53
